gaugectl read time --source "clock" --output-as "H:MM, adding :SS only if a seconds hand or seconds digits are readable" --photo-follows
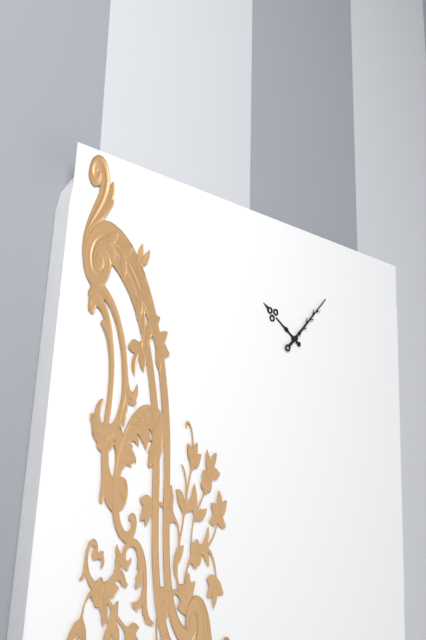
10:07
